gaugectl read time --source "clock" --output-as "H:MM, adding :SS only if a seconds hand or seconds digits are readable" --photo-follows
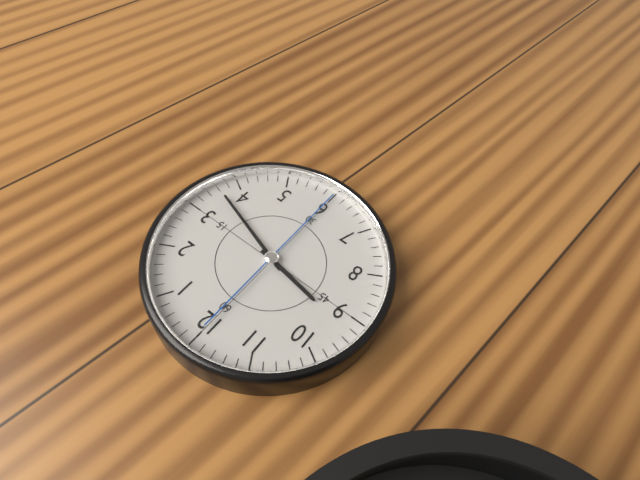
9:18:30
